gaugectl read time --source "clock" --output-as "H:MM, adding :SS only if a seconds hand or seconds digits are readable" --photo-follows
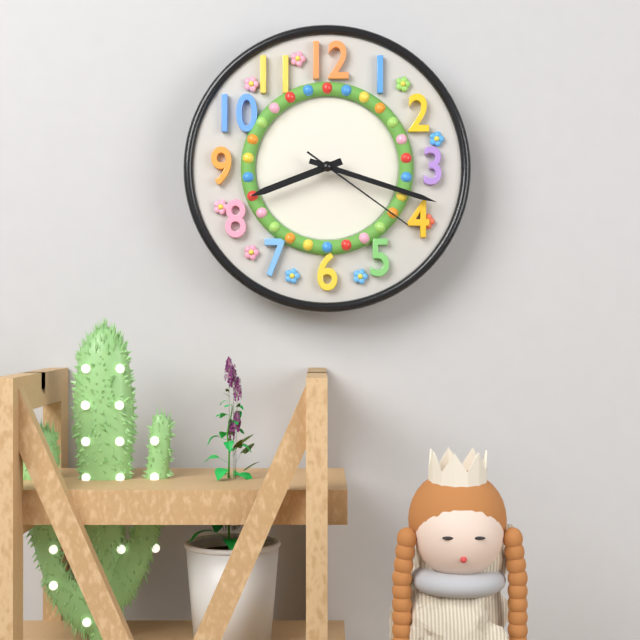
8:18:21
